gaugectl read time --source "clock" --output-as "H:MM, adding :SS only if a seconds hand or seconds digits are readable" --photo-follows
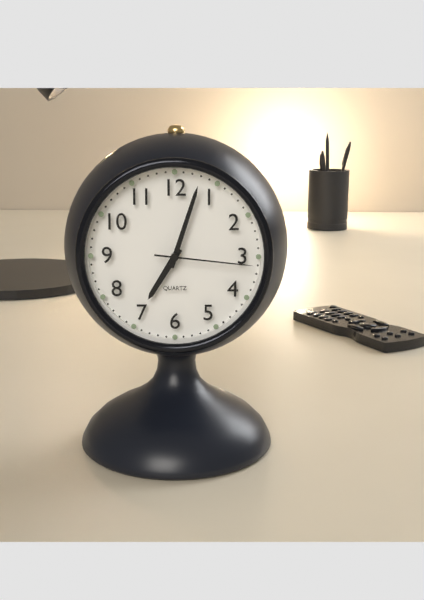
7:03:16
